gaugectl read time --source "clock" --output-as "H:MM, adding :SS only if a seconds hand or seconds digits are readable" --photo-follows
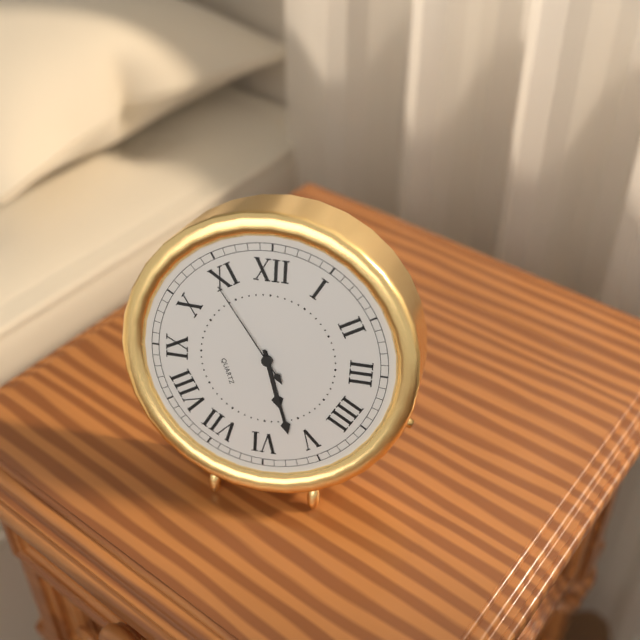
5:27:54
